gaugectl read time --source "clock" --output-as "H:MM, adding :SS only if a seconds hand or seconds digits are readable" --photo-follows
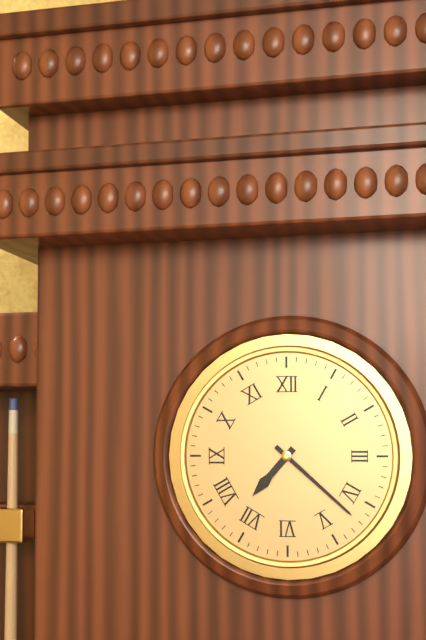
7:22
